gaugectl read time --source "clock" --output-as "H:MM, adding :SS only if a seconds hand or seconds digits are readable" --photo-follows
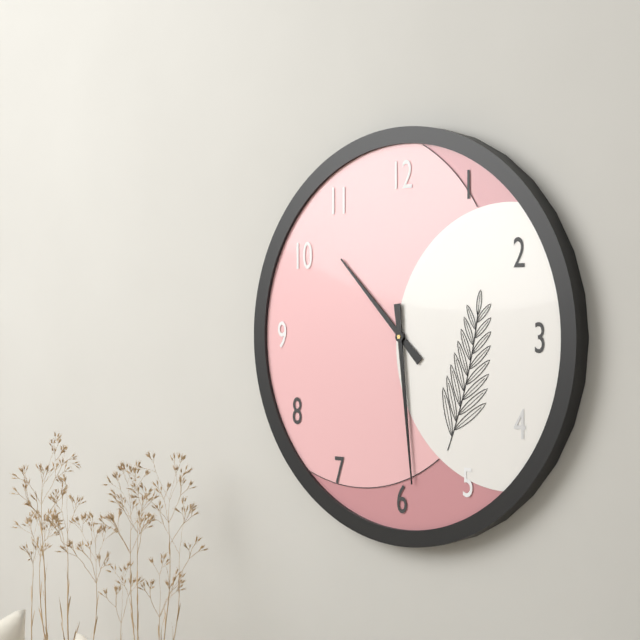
10:29
